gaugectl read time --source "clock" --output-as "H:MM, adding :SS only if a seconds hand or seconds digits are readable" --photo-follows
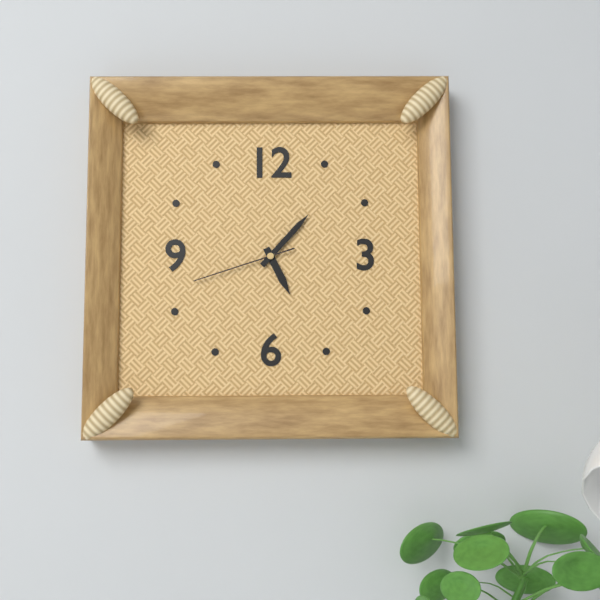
5:07:42
